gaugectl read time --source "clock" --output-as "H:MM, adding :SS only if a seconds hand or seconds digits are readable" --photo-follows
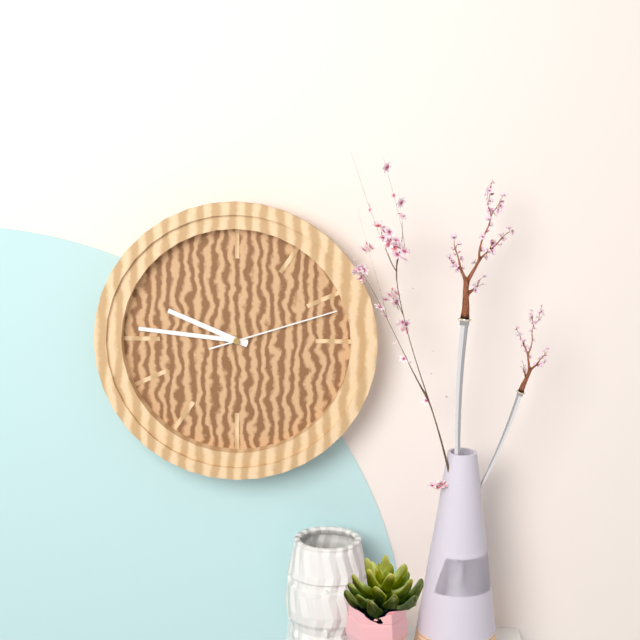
9:46:12
